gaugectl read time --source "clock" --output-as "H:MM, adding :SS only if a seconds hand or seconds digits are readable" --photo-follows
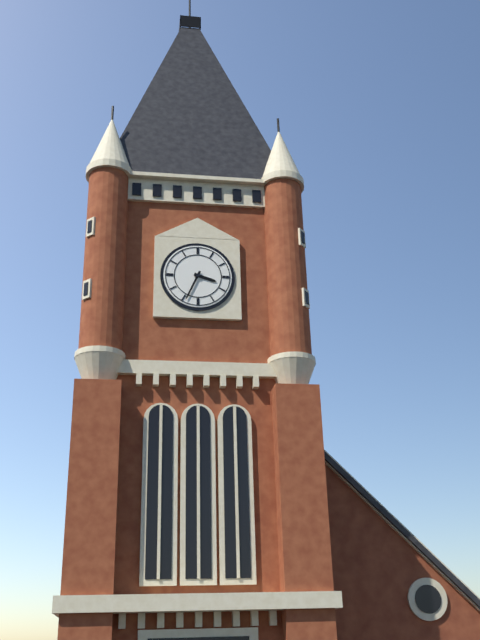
3:34
